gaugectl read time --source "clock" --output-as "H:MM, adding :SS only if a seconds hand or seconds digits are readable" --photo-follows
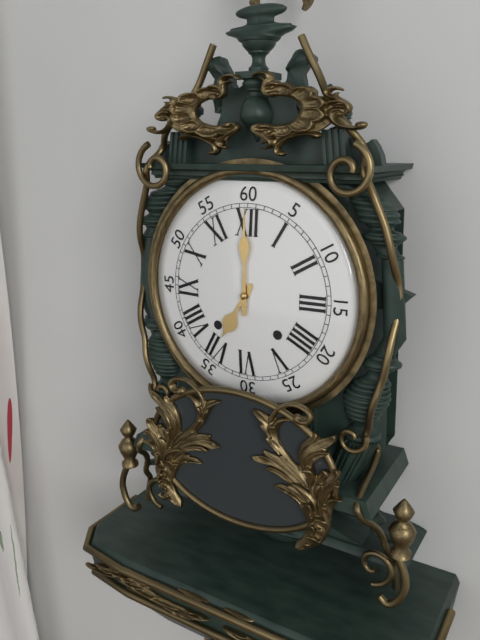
7:00
